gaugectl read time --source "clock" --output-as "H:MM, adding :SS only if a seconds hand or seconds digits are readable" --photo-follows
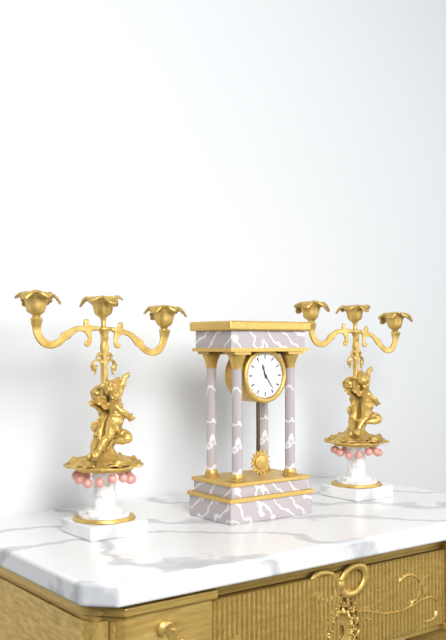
11:24
